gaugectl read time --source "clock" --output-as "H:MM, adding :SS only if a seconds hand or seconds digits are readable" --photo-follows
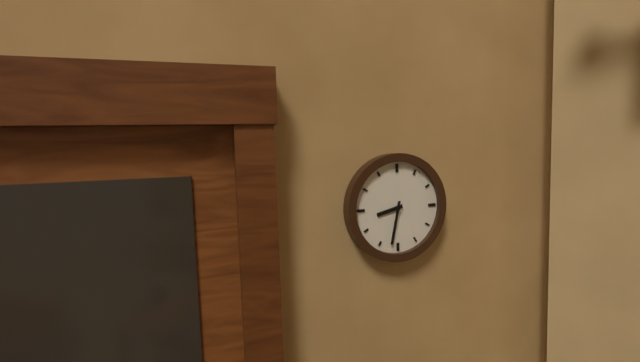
8:32
